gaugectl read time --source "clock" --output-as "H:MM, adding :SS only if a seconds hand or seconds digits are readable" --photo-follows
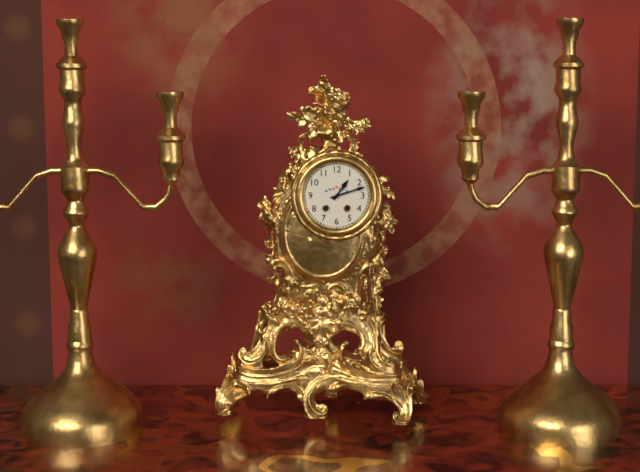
1:12
